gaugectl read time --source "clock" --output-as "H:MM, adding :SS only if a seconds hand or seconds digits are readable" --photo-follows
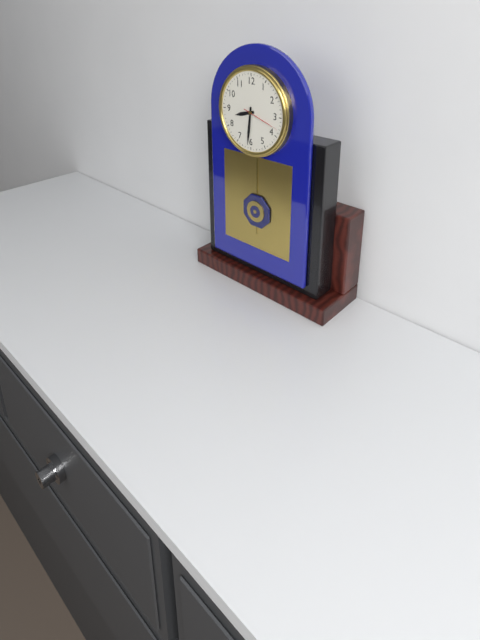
8:31
